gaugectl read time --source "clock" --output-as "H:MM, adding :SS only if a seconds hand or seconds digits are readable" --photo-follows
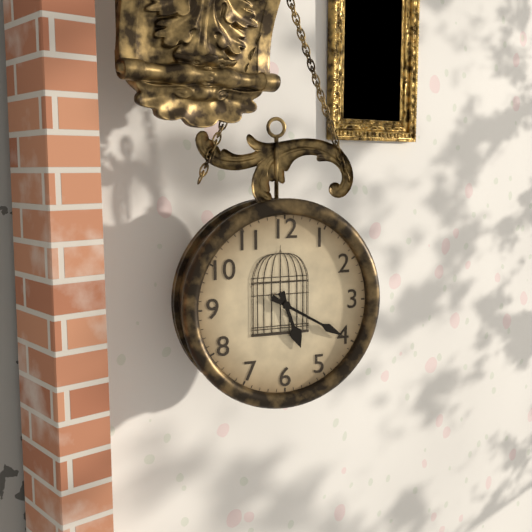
5:20
